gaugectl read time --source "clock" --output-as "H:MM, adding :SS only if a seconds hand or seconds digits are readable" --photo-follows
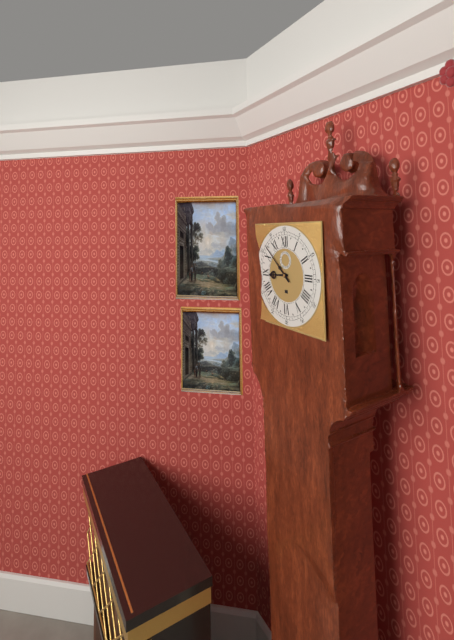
8:52
